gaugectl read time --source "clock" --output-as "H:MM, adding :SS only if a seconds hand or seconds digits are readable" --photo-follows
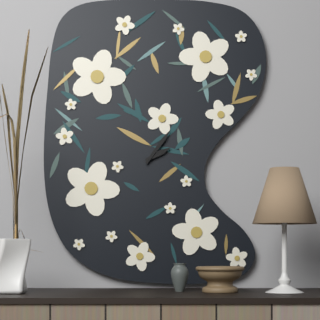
2:06
